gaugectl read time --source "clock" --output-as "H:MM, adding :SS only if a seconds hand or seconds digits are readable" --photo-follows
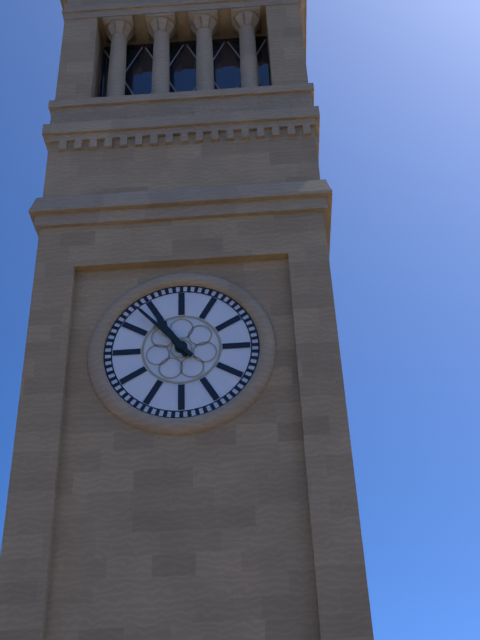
10:53
